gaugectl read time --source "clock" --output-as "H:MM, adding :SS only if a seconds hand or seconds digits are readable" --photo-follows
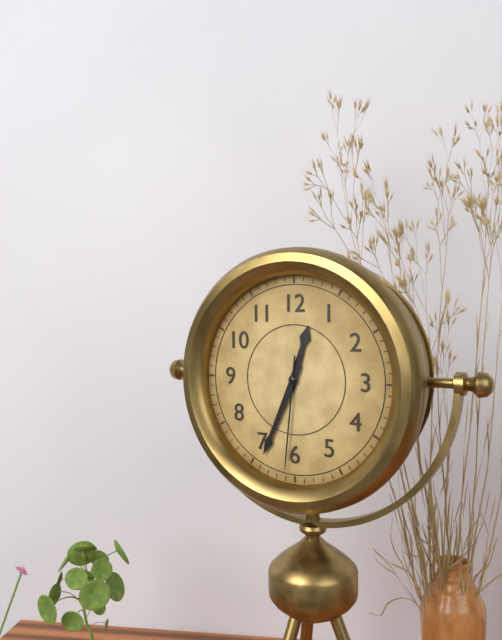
12:34:31
